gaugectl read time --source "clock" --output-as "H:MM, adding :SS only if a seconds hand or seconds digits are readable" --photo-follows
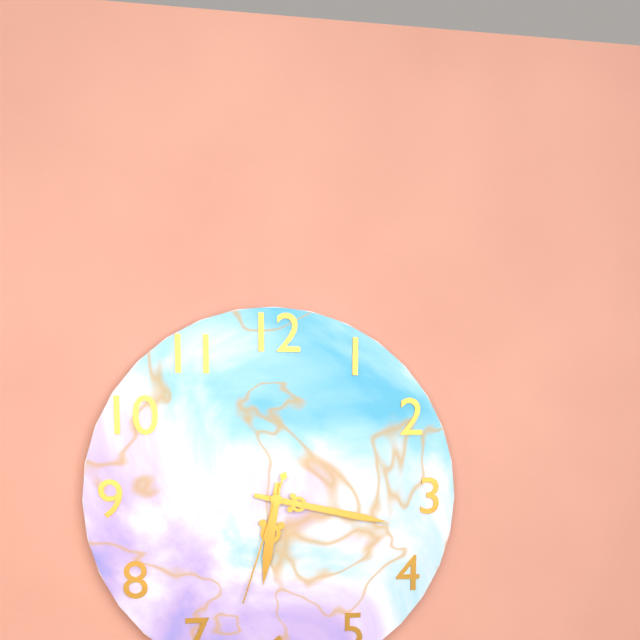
6:17:33
